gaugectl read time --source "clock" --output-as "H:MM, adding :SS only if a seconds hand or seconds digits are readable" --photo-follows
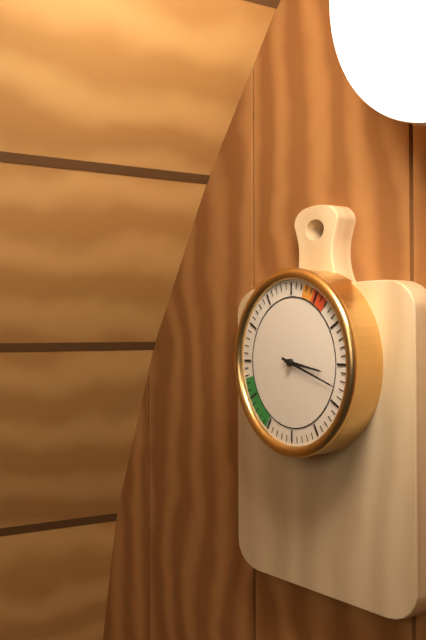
3:18
